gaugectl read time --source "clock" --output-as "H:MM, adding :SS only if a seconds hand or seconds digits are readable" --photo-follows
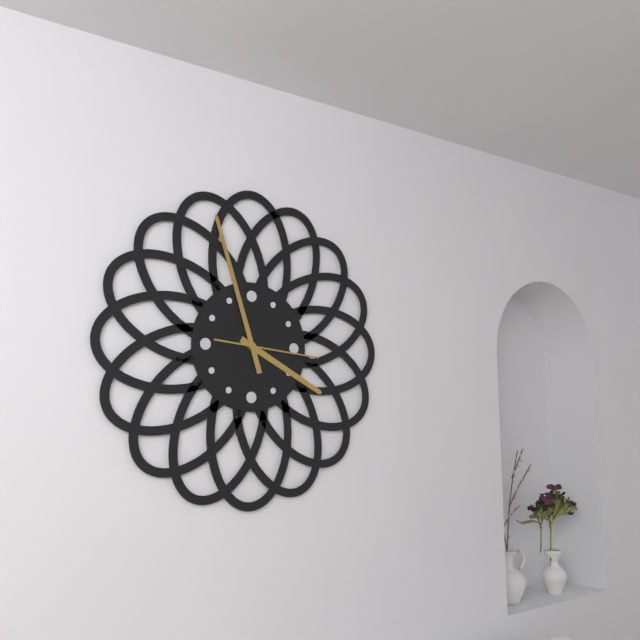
3:57:16
